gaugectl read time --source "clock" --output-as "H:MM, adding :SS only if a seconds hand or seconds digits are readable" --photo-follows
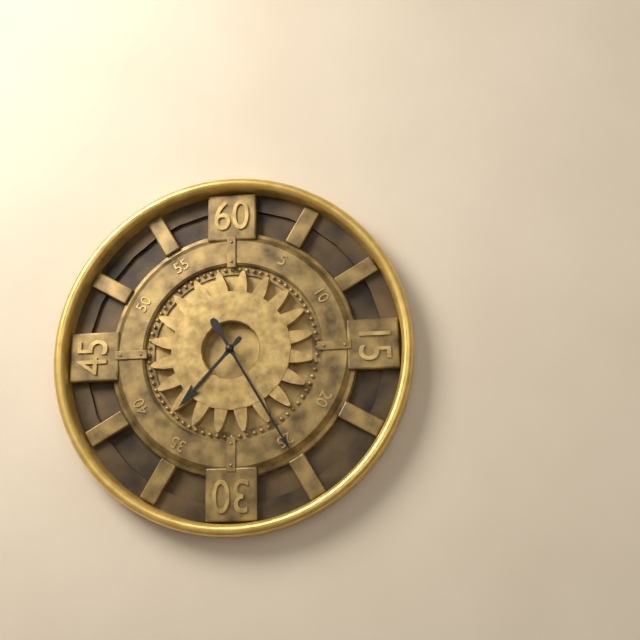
7:25
